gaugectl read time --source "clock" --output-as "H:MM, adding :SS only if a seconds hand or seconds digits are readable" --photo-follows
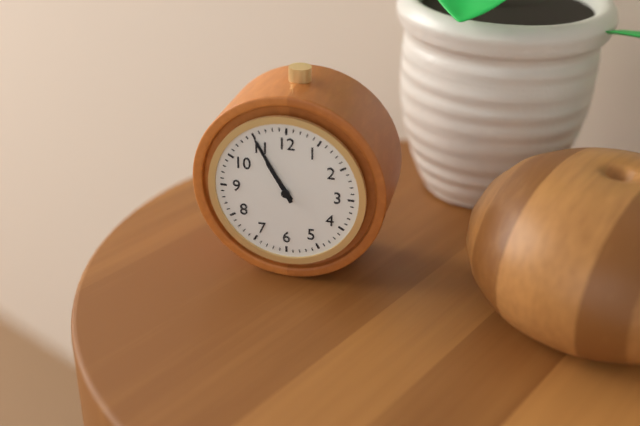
10:55
